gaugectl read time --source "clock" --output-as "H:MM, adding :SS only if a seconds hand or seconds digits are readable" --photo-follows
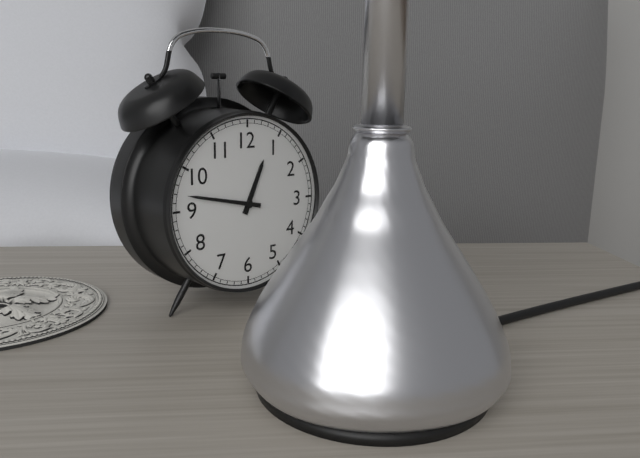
12:47
